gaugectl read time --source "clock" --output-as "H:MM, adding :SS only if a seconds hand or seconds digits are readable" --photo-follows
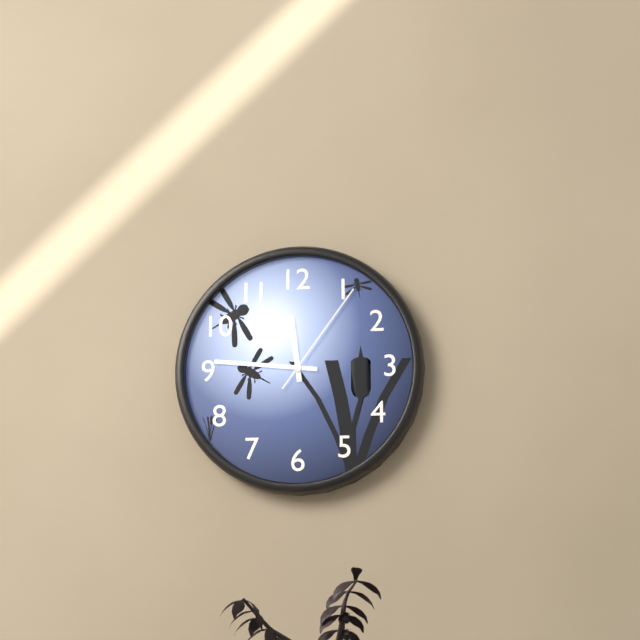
11:46:06
